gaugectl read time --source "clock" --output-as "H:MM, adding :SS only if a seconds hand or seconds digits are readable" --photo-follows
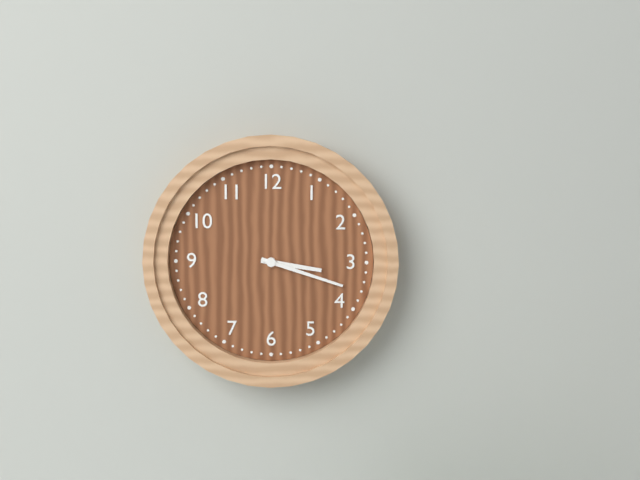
3:18
